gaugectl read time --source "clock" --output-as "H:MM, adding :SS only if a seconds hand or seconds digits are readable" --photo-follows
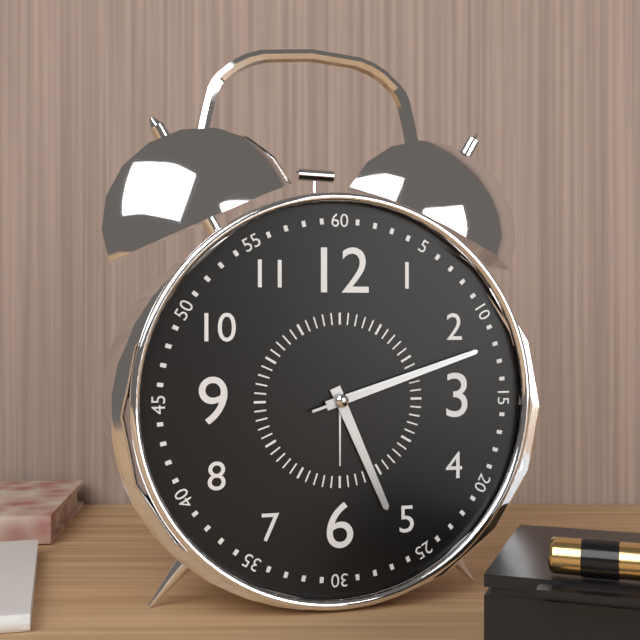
5:12:12
